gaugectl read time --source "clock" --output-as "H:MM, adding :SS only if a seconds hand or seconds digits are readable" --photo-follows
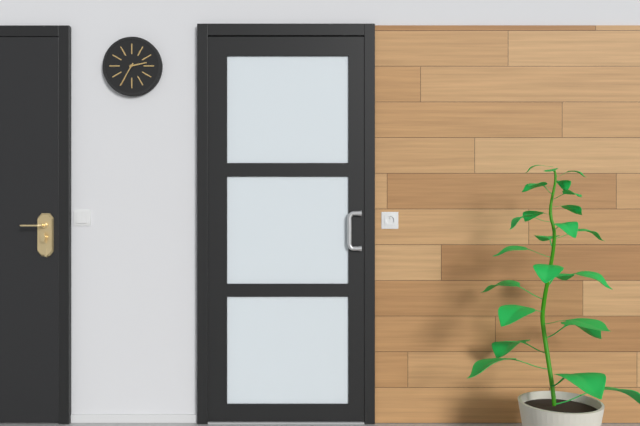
2:35
